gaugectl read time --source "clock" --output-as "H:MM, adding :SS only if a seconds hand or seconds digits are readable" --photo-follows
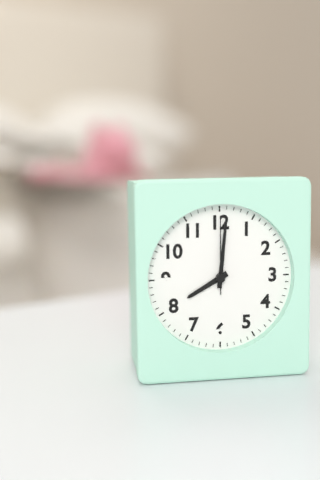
8:01:00
